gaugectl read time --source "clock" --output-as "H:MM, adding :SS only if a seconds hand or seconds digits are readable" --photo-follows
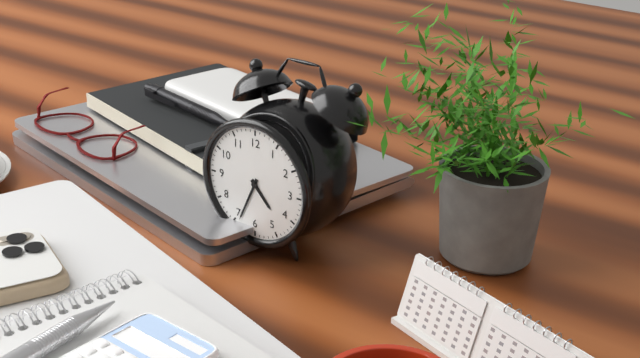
4:34
